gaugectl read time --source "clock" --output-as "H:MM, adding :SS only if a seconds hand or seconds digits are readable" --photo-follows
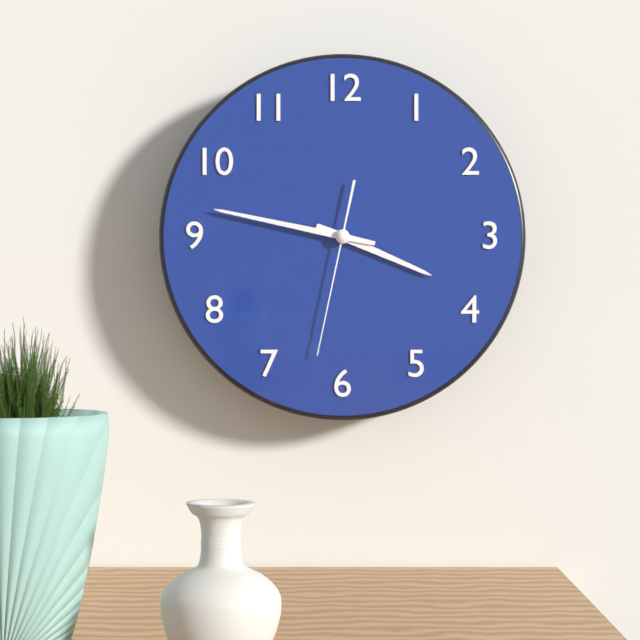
3:47:32
